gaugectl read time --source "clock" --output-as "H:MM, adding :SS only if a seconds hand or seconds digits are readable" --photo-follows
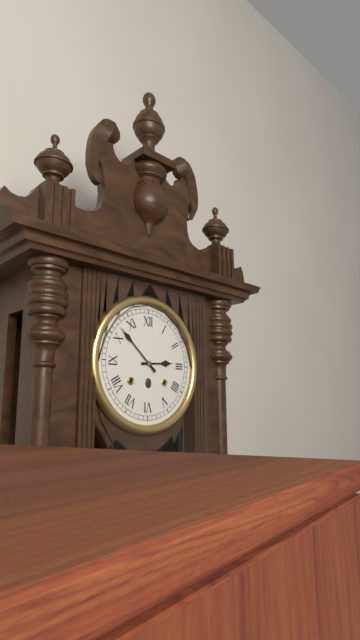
2:52
